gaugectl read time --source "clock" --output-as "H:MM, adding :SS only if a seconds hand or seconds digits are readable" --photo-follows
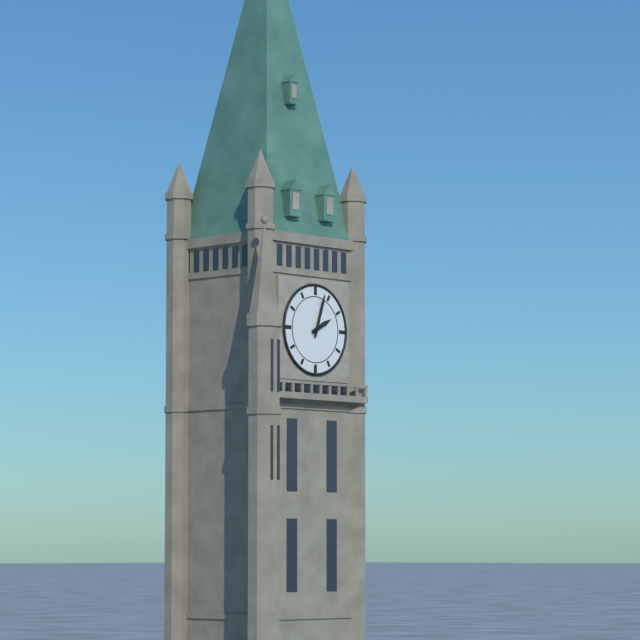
2:03
